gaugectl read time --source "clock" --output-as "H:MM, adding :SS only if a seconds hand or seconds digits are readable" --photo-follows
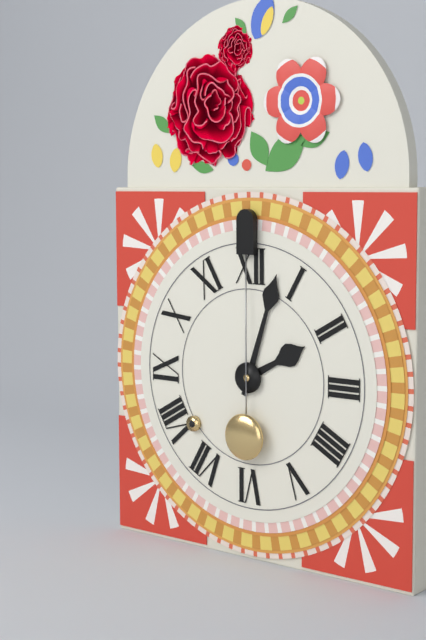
2:03
